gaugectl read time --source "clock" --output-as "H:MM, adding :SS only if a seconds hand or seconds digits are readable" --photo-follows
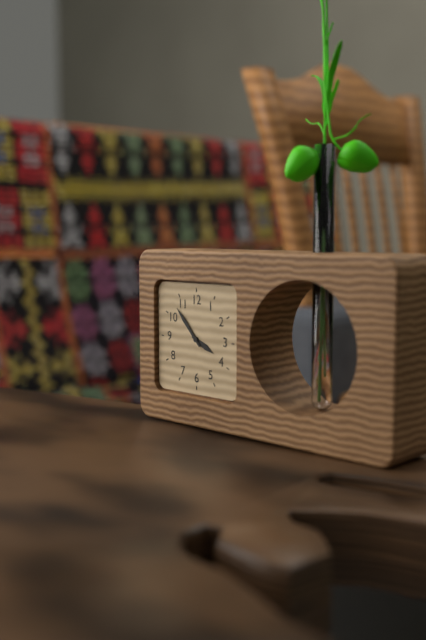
3:53
